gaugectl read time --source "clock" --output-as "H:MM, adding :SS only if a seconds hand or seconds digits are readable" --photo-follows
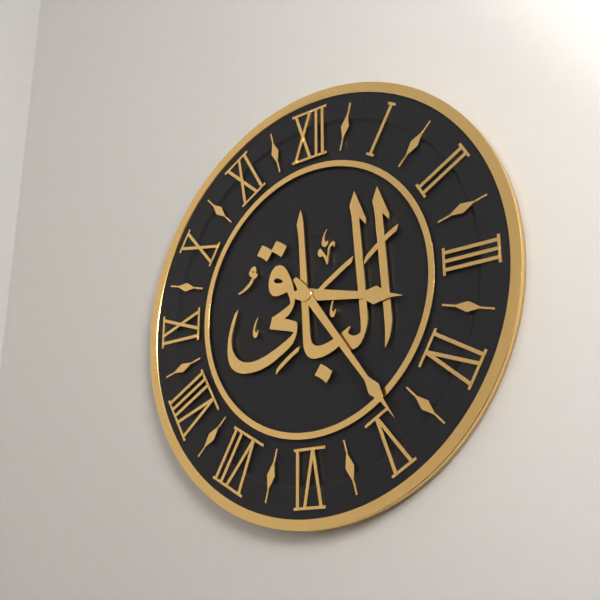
3:24
